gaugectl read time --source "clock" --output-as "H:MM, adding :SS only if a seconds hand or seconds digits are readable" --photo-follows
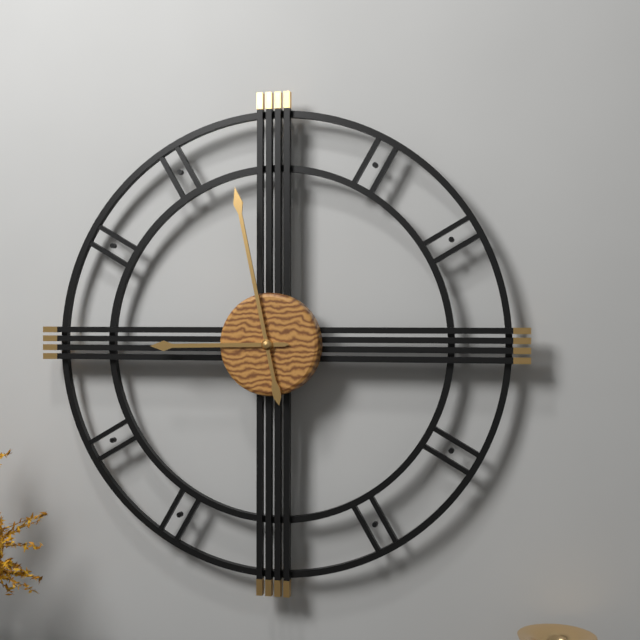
8:58
